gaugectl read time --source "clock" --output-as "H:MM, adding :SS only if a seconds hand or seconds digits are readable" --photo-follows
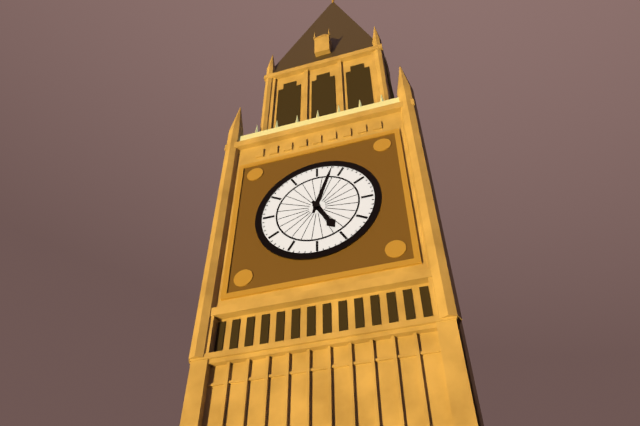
5:03
